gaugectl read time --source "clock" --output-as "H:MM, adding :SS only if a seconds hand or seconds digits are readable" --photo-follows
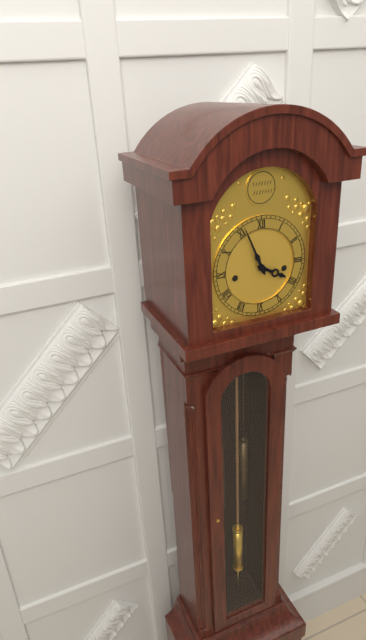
3:56
